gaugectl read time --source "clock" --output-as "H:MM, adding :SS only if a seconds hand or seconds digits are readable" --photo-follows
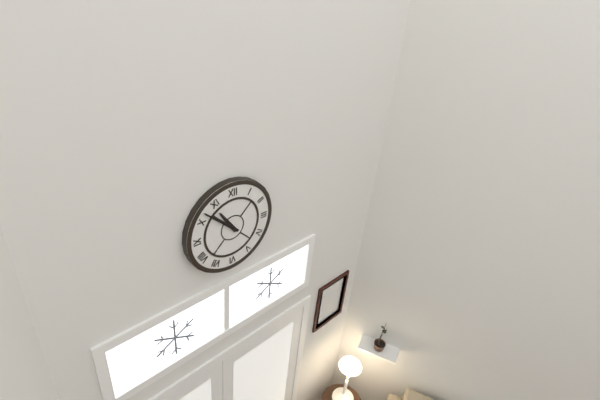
10:52
